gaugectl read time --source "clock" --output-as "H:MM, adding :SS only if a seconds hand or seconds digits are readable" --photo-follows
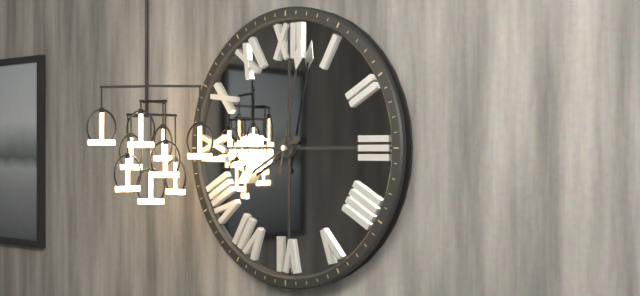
8:02
